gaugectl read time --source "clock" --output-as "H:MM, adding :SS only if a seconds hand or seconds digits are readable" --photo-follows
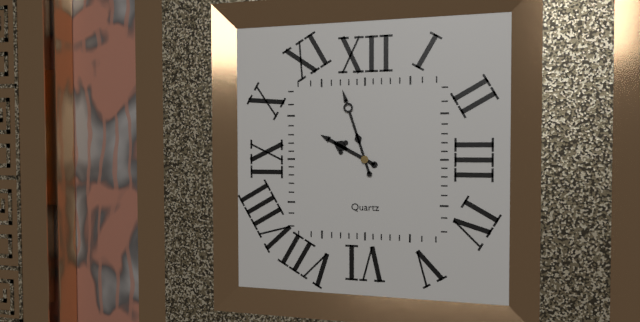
9:57
